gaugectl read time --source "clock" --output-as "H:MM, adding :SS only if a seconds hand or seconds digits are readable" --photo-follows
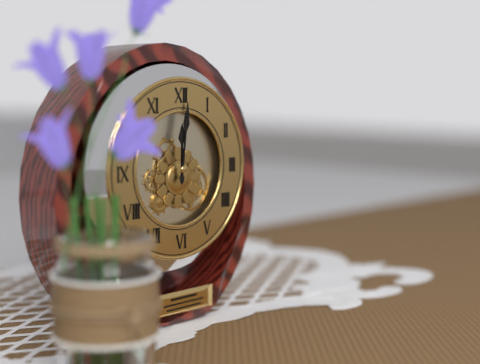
12:01
